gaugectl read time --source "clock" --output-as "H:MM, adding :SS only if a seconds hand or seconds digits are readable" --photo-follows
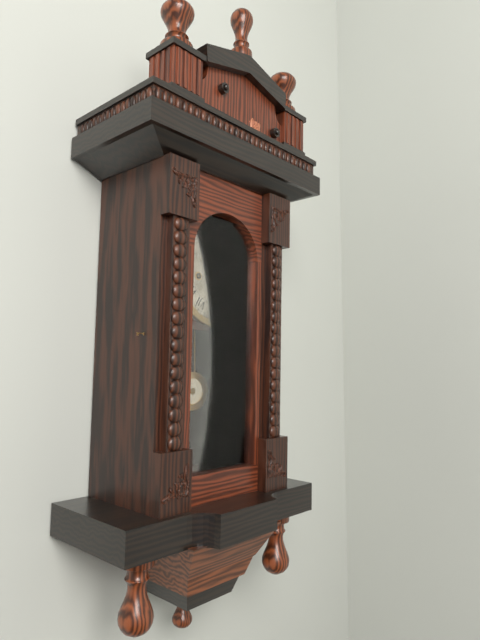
1:29
